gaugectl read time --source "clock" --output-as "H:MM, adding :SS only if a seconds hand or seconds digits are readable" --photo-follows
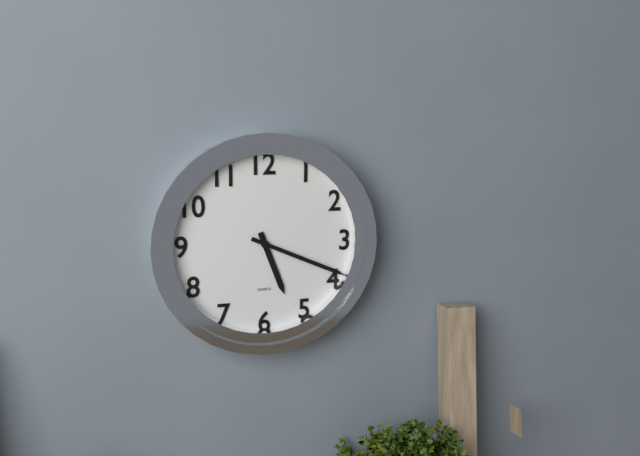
5:19
